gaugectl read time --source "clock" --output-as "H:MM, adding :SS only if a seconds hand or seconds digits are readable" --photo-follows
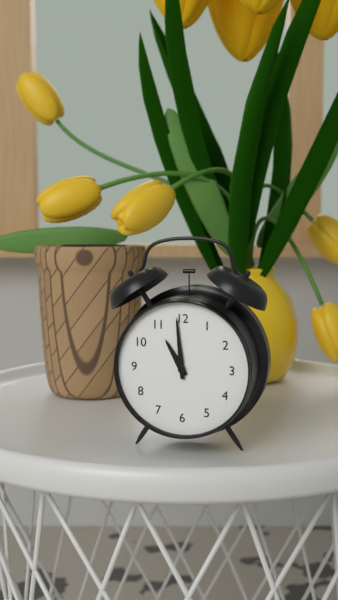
10:59
